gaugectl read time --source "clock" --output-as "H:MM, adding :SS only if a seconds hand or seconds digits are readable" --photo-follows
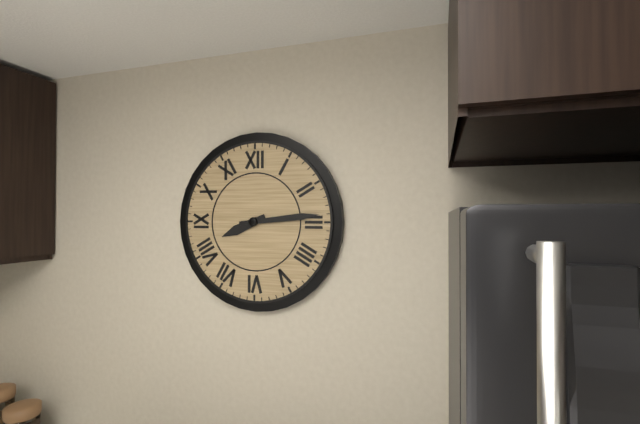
8:14
